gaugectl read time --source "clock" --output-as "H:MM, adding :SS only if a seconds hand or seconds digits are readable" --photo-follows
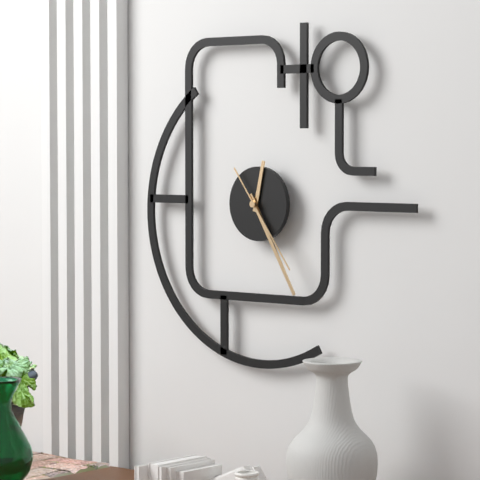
12:25:24
